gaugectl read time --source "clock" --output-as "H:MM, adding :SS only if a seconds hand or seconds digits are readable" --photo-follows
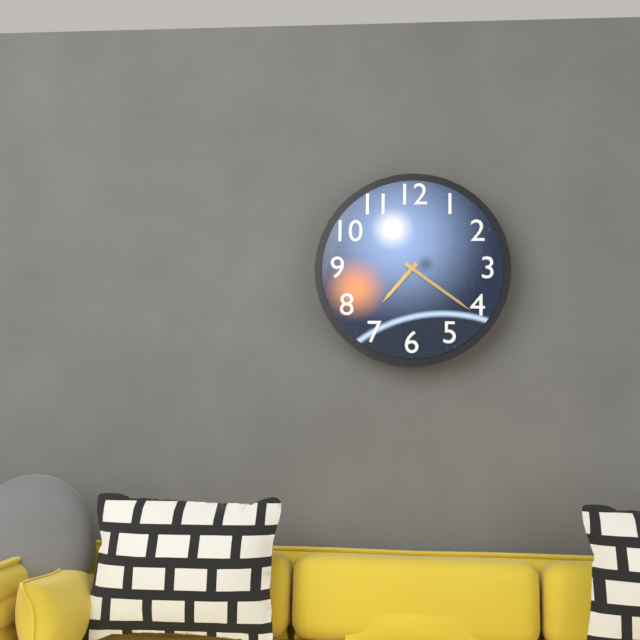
7:21
